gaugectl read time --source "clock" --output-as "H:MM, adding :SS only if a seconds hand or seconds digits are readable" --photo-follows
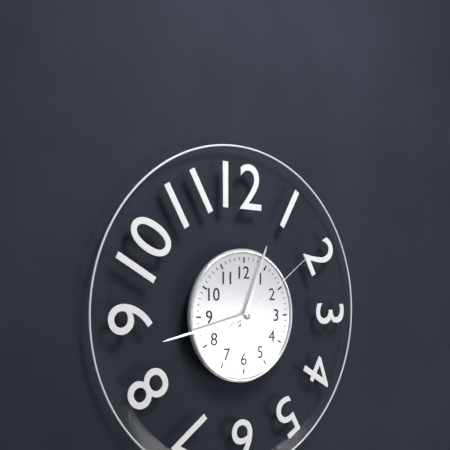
12:43:09
